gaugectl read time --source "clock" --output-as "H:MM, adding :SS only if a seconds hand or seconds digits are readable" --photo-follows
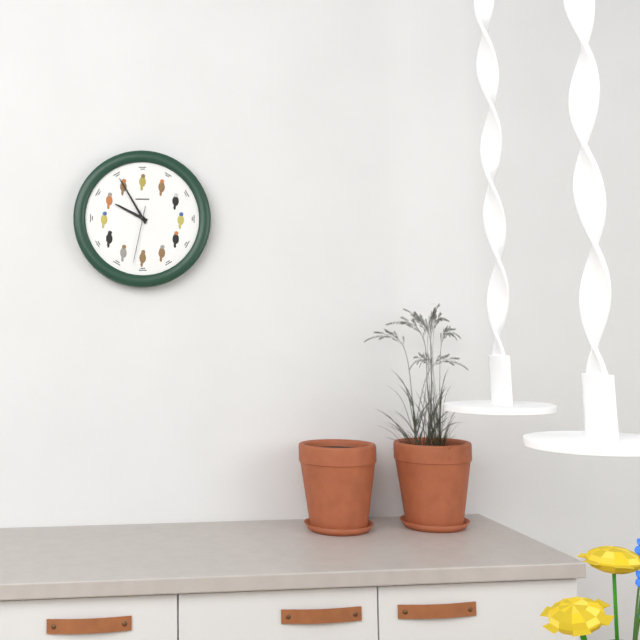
9:55:32
